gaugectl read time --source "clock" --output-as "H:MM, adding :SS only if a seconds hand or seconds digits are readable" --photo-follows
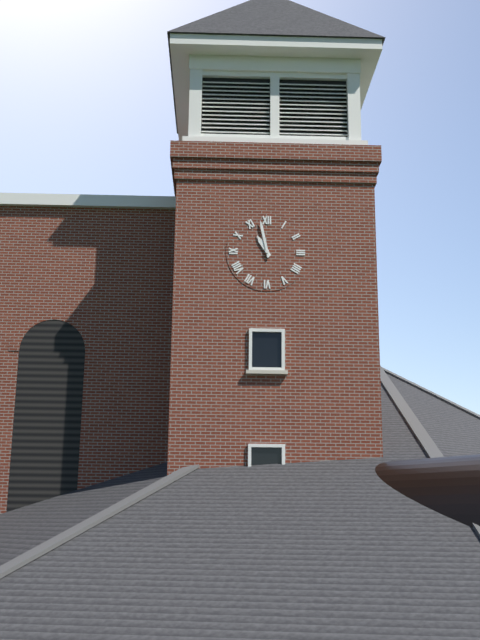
10:58
